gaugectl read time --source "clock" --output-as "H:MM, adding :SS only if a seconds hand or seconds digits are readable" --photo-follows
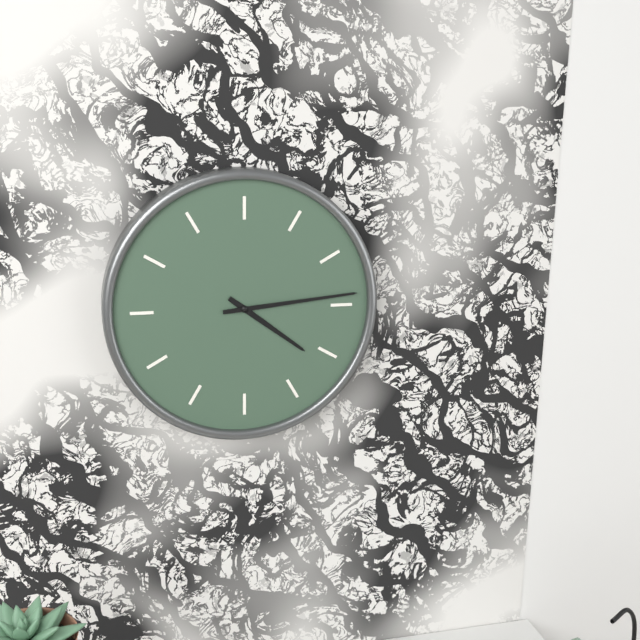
4:14
